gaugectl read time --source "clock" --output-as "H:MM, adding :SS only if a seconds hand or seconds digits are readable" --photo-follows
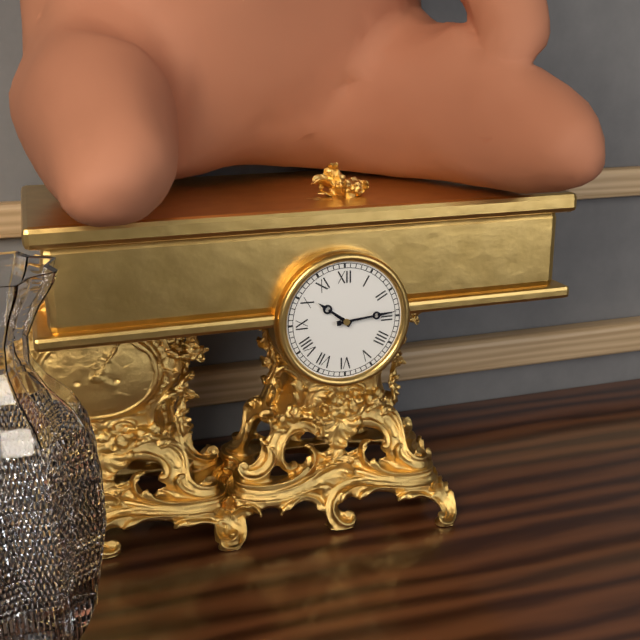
10:14
